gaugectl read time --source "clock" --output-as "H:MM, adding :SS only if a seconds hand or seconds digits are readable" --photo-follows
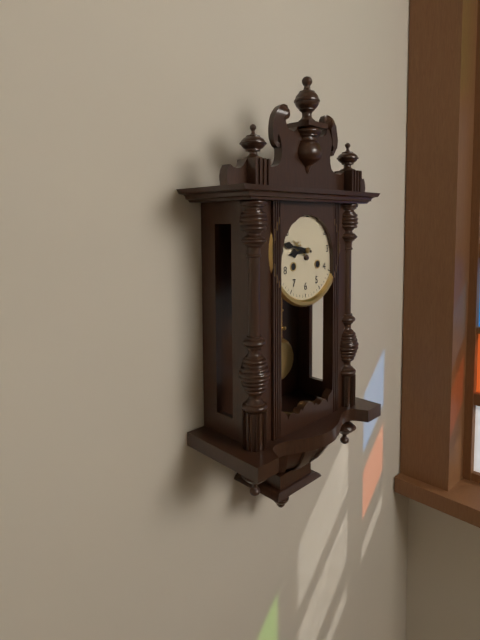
8:47
